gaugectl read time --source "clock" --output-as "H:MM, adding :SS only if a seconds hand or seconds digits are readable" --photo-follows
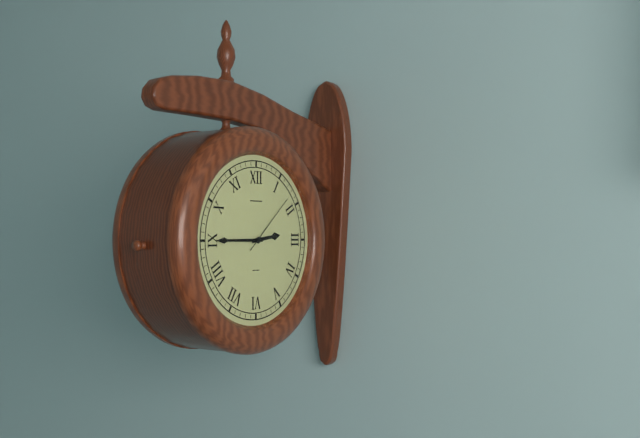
2:45:08
